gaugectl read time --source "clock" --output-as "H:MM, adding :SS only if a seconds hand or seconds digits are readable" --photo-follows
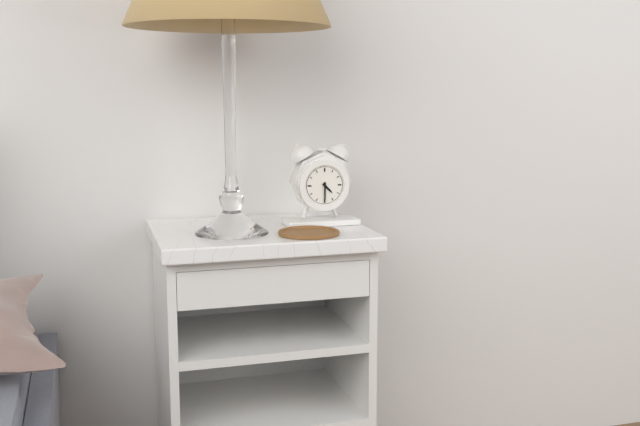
4:30
